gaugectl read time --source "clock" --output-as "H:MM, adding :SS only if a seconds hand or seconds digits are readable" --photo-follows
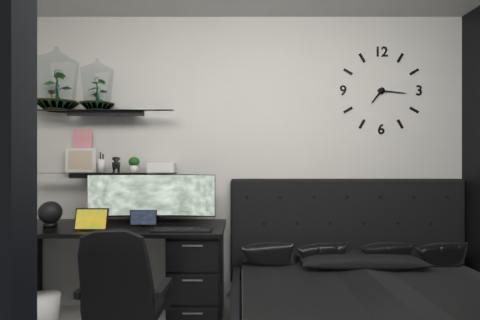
7:16
